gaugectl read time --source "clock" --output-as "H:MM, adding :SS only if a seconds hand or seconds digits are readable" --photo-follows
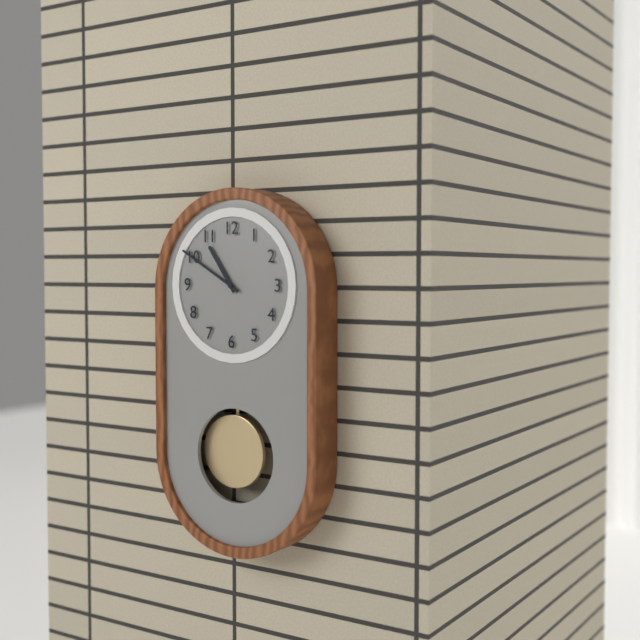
10:50
